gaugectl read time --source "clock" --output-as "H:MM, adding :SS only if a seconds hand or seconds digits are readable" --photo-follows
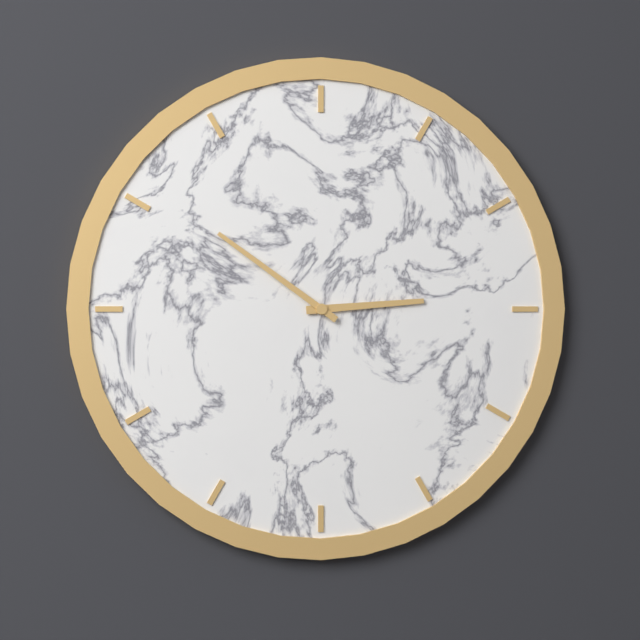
2:51
